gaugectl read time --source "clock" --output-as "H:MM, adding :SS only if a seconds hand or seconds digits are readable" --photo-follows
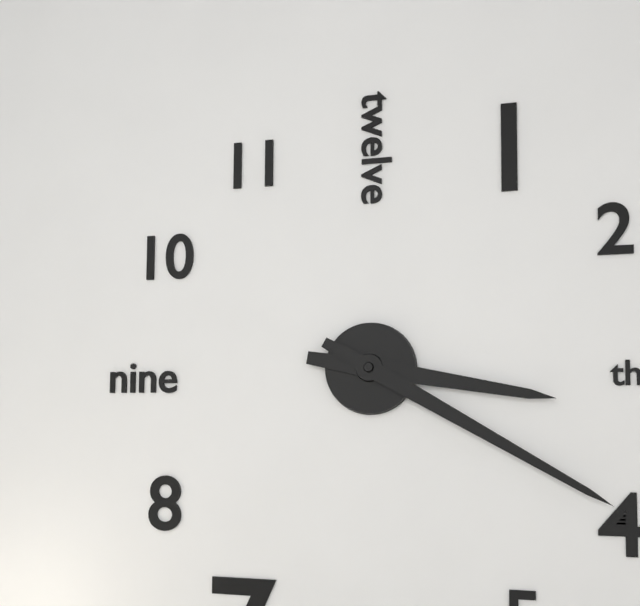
3:20
